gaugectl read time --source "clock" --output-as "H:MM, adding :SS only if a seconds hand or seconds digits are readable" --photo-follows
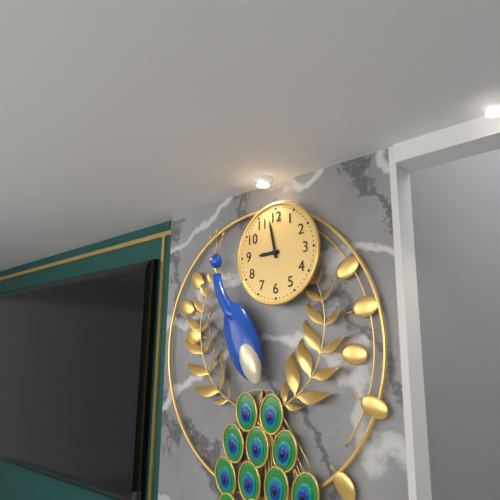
8:58
